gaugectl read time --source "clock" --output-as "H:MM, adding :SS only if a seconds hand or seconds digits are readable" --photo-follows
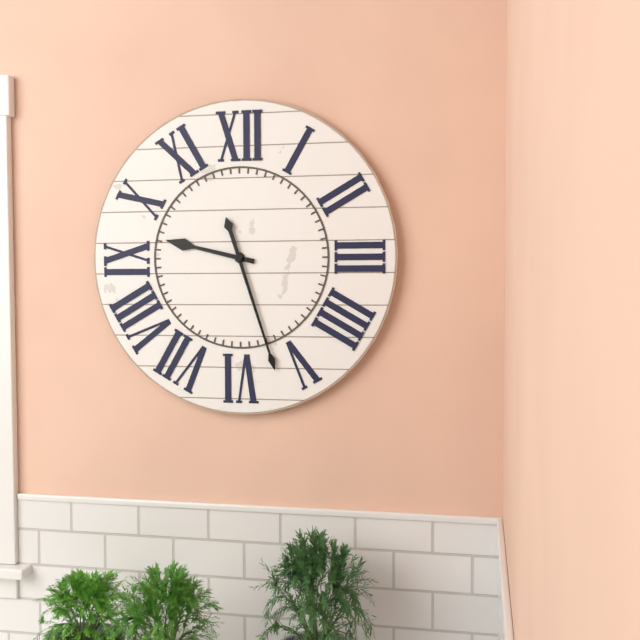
9:27
